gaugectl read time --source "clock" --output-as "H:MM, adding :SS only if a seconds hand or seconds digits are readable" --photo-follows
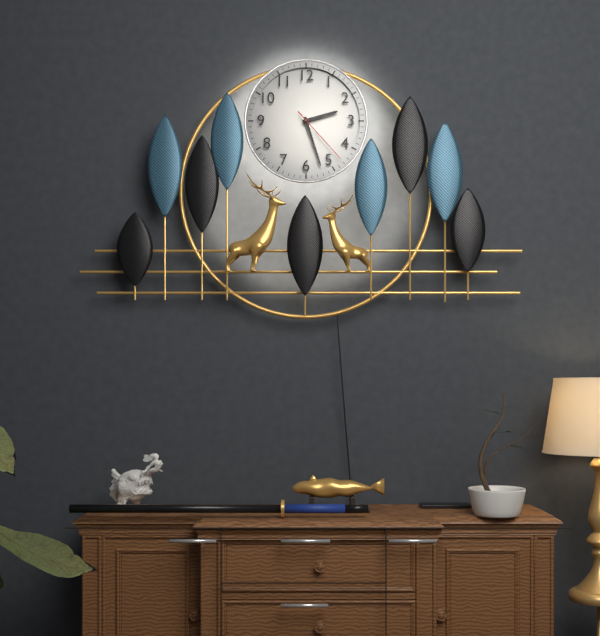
2:27:23
